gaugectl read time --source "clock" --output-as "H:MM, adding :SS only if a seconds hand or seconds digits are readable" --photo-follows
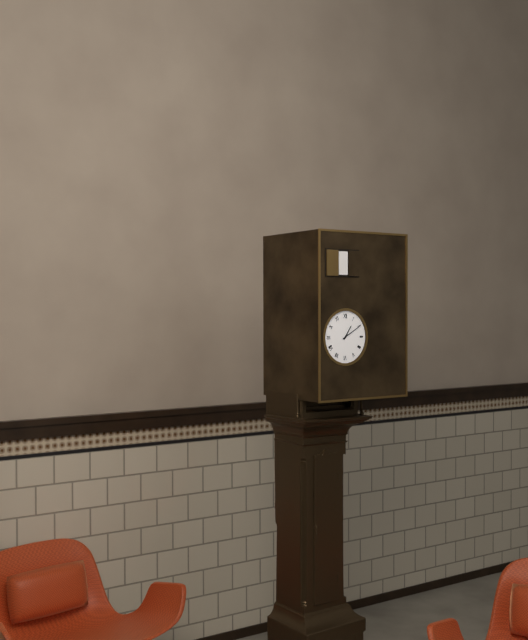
1:10
